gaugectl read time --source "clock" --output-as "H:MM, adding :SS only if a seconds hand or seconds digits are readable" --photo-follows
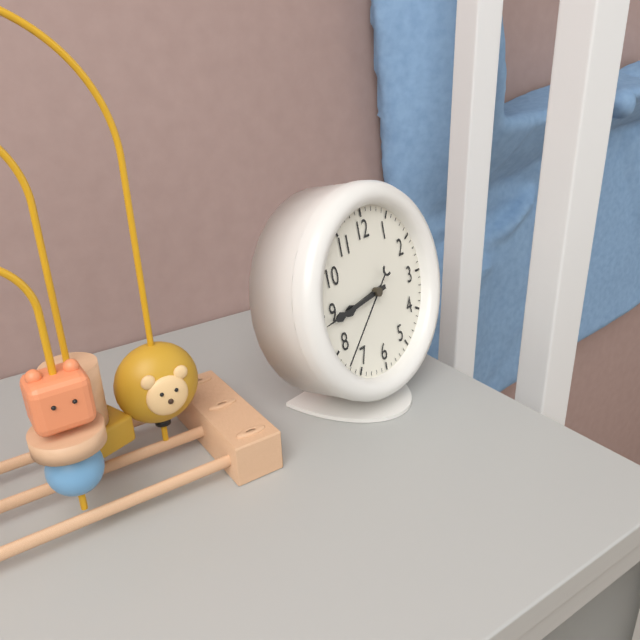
8:44:38
